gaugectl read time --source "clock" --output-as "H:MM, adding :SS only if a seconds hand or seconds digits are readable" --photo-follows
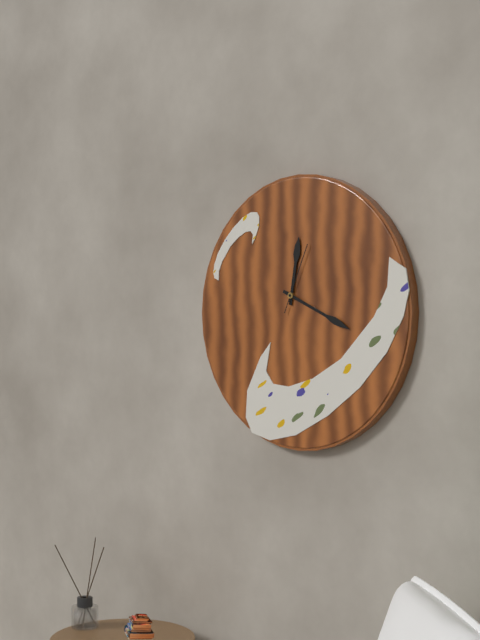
12:19:04
